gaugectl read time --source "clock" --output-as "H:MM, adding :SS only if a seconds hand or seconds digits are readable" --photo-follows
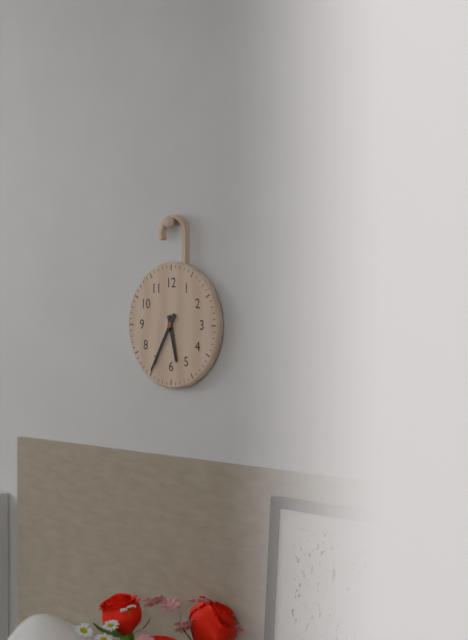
5:35
